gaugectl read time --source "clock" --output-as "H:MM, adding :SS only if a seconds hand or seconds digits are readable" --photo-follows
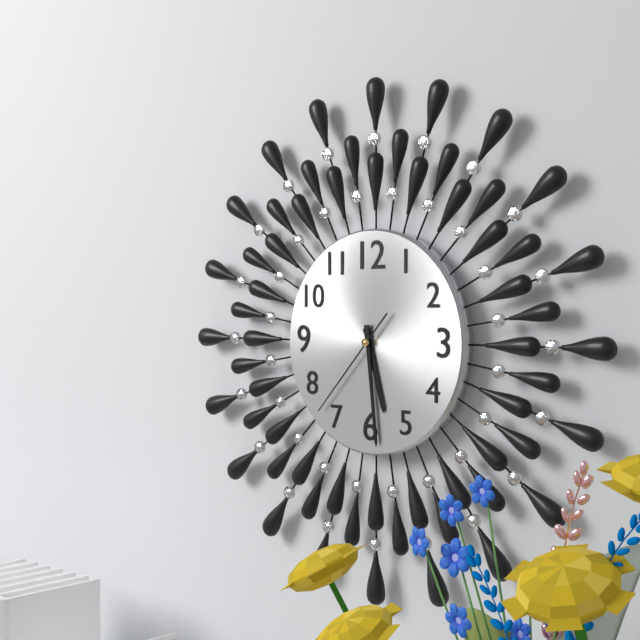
5:29:37
